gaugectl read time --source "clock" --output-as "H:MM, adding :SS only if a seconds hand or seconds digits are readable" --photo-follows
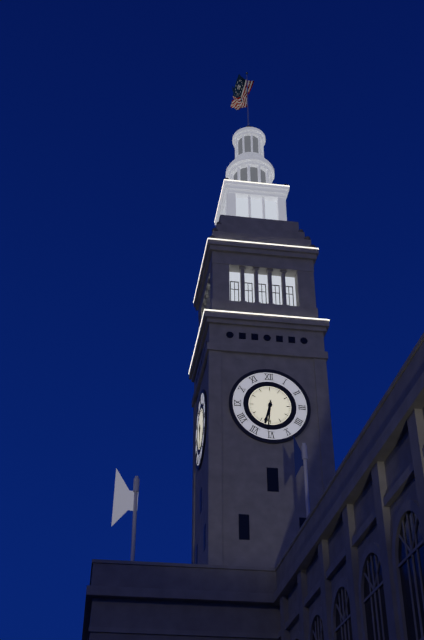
6:31
